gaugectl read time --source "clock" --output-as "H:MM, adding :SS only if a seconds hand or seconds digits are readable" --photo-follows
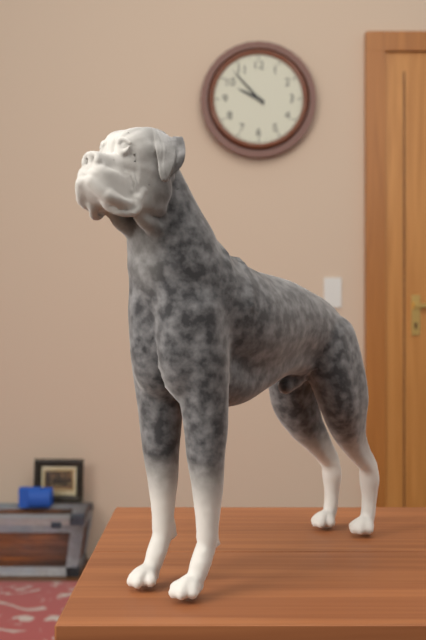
9:53
